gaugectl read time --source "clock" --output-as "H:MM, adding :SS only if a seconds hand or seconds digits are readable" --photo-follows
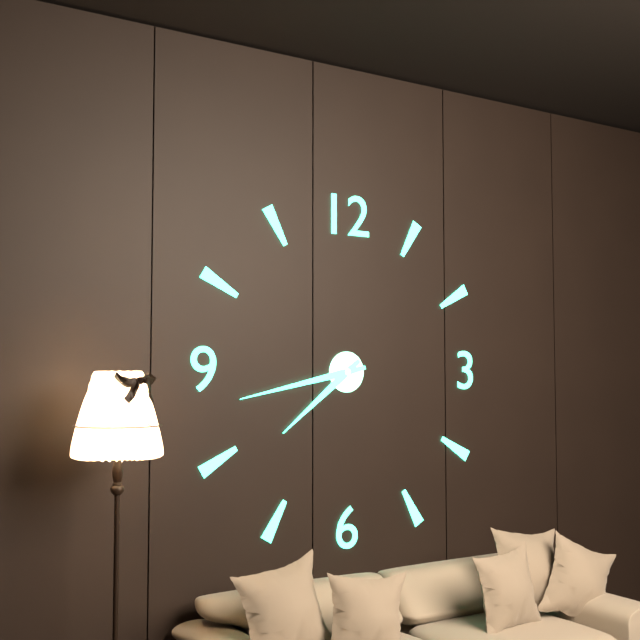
7:43
